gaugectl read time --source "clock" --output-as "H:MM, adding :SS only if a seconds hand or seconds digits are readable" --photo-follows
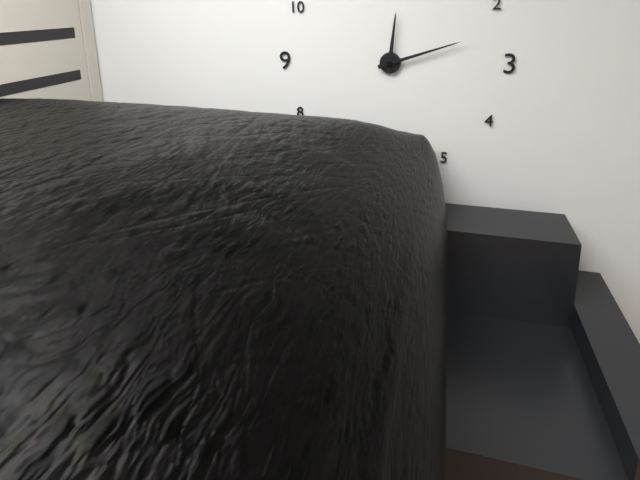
12:12
